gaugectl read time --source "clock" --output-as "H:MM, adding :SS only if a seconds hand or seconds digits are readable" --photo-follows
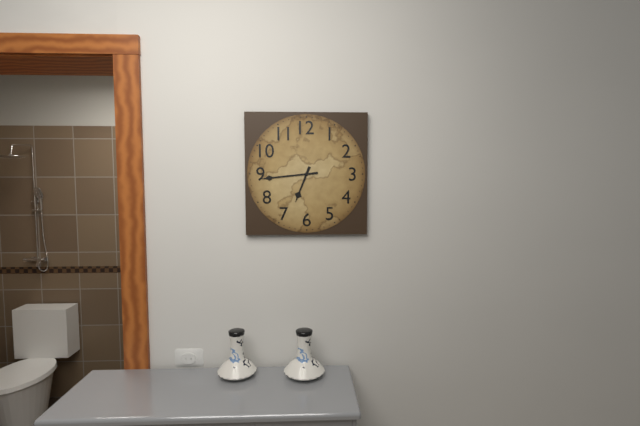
6:44
